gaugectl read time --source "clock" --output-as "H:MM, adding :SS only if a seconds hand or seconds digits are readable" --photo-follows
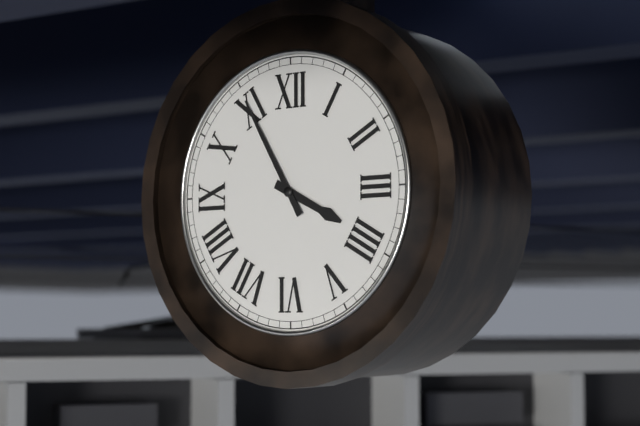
3:55
